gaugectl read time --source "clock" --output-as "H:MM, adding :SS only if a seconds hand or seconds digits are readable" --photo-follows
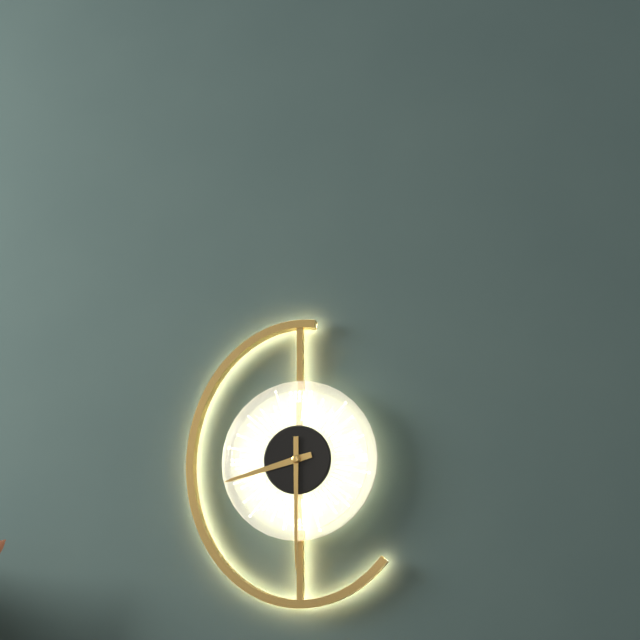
8:30
